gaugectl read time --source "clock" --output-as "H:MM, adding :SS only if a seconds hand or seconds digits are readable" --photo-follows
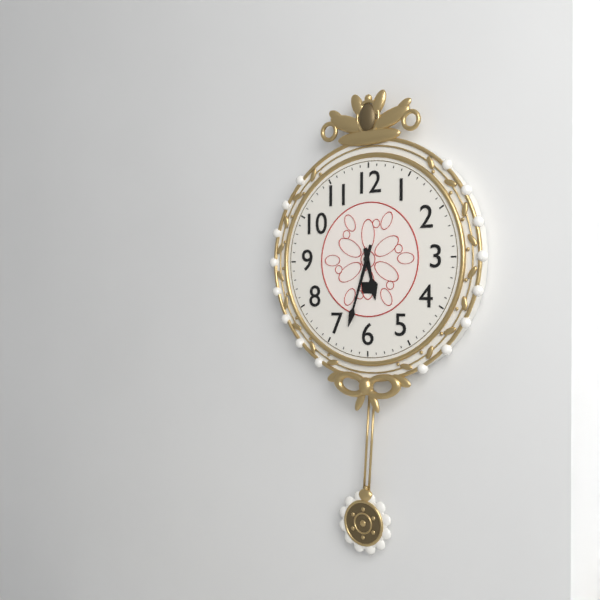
5:33
